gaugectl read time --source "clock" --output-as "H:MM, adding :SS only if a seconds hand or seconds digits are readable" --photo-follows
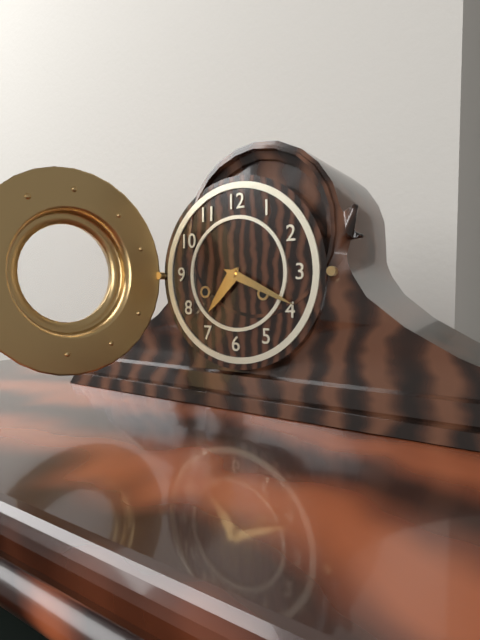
7:19
